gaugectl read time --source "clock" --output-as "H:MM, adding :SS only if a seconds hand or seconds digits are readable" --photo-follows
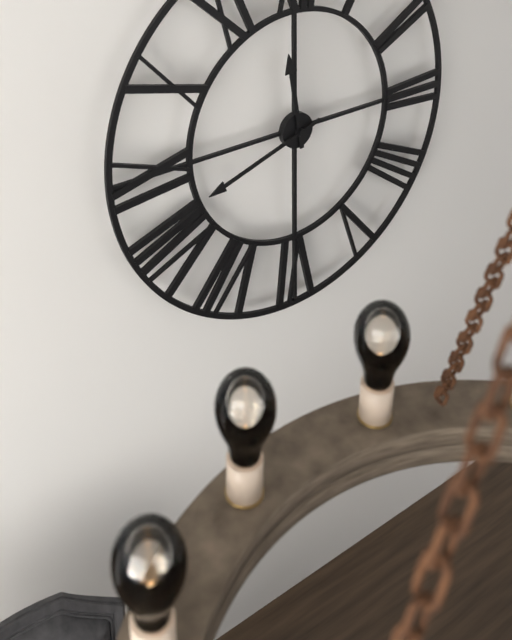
11:42
